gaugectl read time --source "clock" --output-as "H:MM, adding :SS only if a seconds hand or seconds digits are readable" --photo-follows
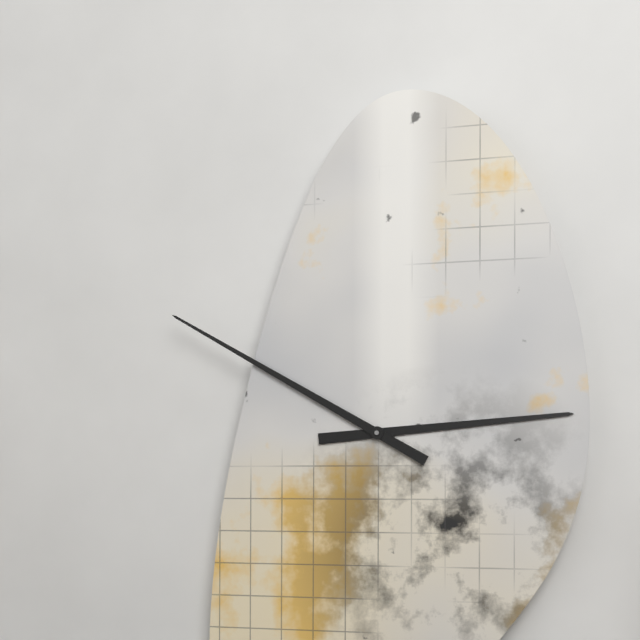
2:50
